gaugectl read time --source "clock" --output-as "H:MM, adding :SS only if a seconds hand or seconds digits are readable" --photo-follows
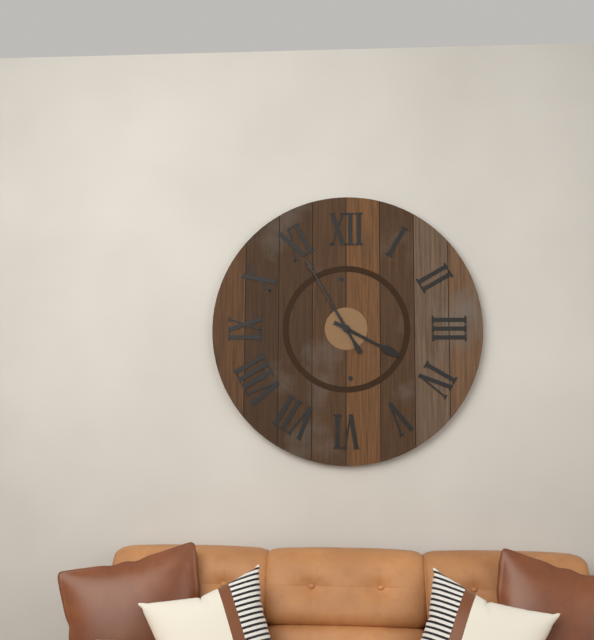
3:55
